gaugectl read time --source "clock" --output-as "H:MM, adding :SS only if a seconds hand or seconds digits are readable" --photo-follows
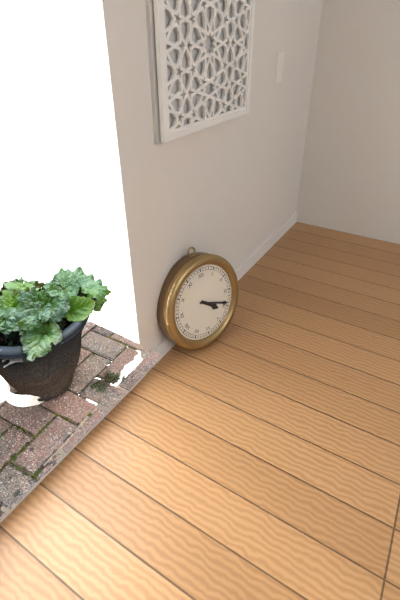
4:19
